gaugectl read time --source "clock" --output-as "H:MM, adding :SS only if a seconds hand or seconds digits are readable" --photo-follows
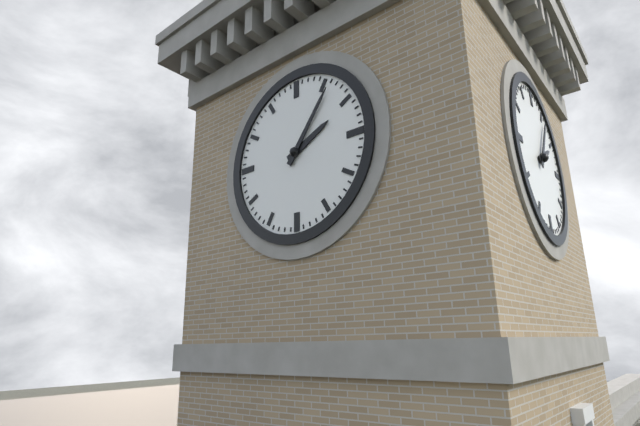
2:06
